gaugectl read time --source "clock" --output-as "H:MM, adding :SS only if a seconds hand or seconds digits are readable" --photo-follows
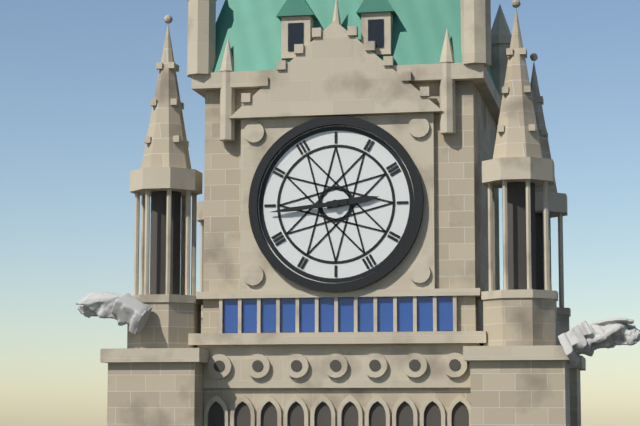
2:44
